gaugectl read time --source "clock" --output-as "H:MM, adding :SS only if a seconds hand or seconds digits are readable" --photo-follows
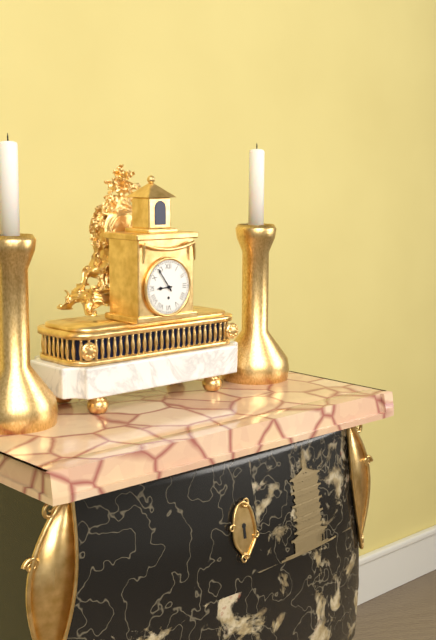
8:54
